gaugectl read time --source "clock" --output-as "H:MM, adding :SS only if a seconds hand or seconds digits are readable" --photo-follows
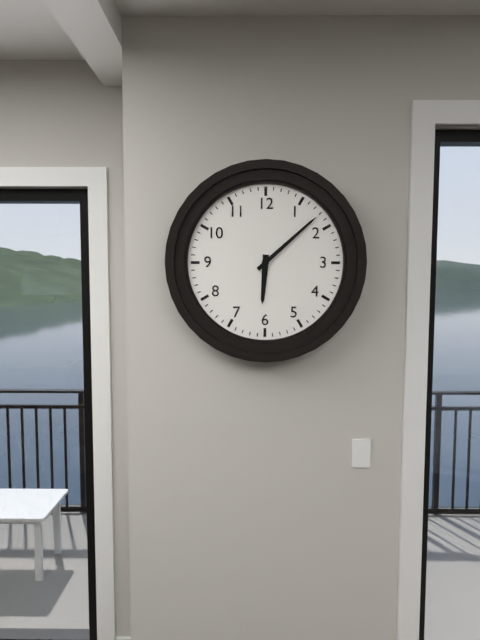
6:08
